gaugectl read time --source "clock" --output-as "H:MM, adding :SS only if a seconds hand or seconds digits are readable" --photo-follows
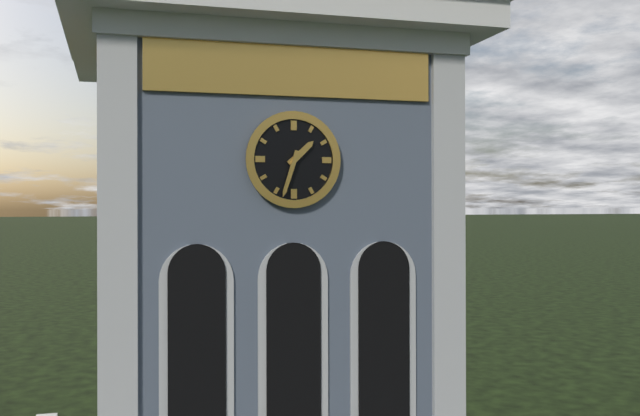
1:33
